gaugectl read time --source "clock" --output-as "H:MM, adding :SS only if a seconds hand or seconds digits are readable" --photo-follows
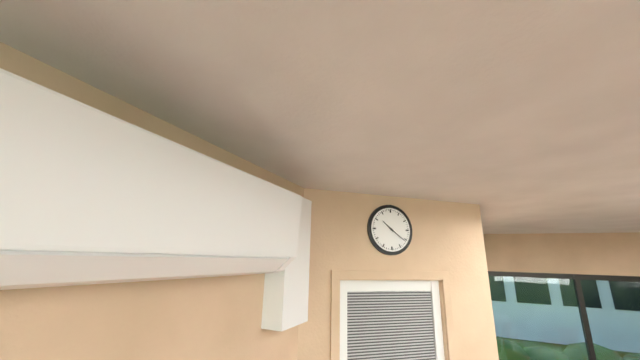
10:21
